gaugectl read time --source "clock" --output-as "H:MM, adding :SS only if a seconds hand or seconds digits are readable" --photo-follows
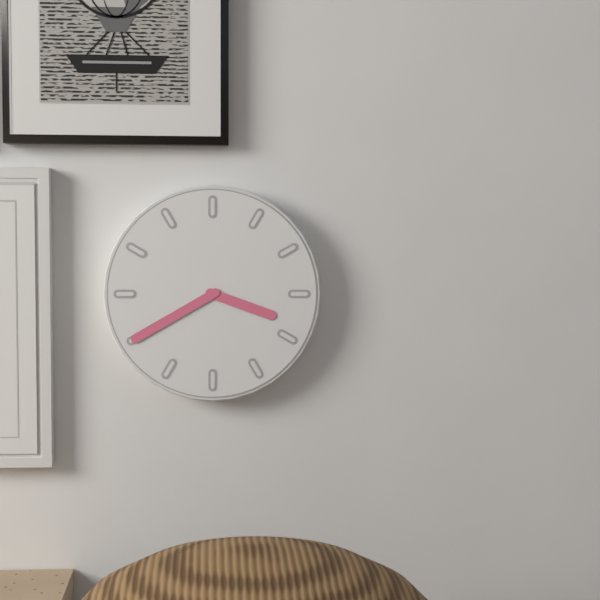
3:40
